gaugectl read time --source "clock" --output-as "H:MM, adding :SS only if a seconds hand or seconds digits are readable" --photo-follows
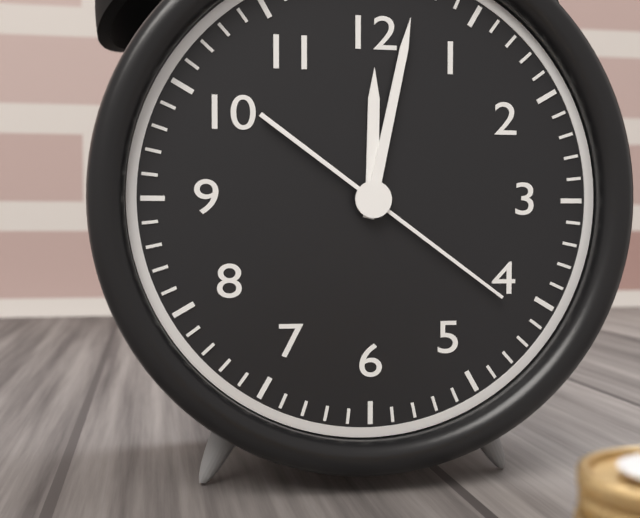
12:02:21
